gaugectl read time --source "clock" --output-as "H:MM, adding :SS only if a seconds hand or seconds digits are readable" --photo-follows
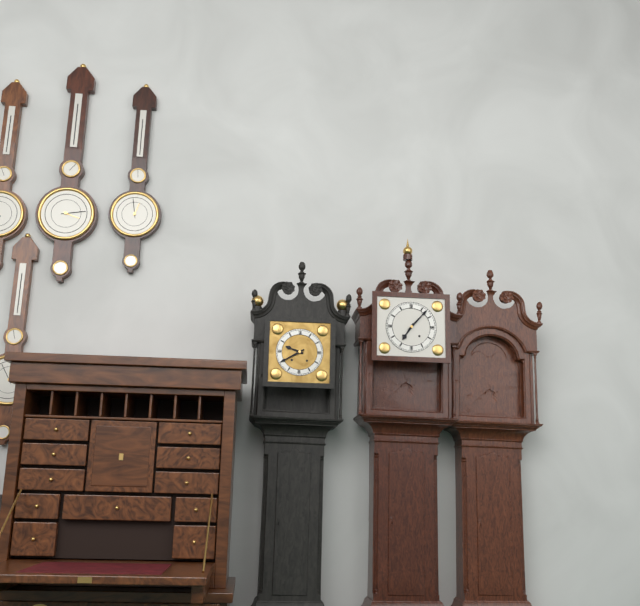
7:07
